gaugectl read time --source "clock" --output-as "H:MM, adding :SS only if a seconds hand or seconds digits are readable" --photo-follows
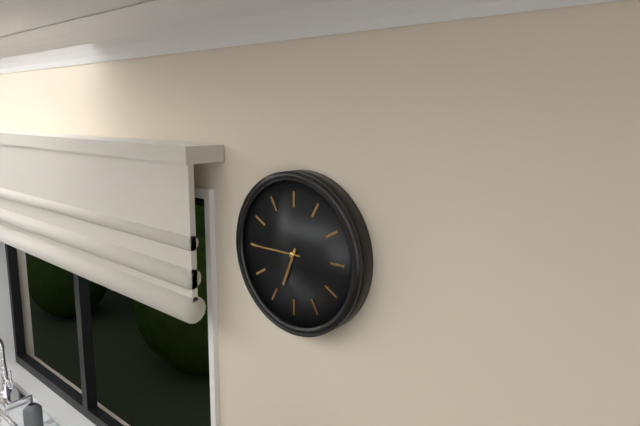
6:45
